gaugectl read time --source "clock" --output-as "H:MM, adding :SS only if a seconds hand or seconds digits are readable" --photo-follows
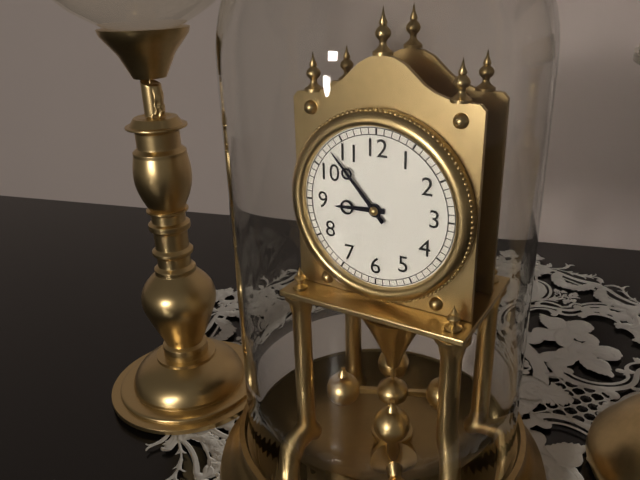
8:53
